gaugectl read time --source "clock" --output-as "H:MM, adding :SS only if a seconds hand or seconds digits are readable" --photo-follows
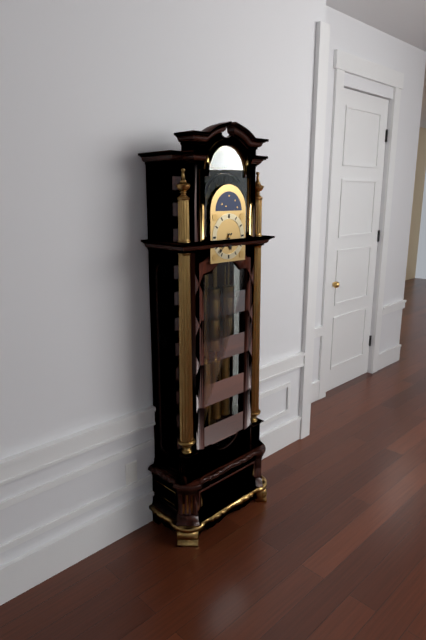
5:37
